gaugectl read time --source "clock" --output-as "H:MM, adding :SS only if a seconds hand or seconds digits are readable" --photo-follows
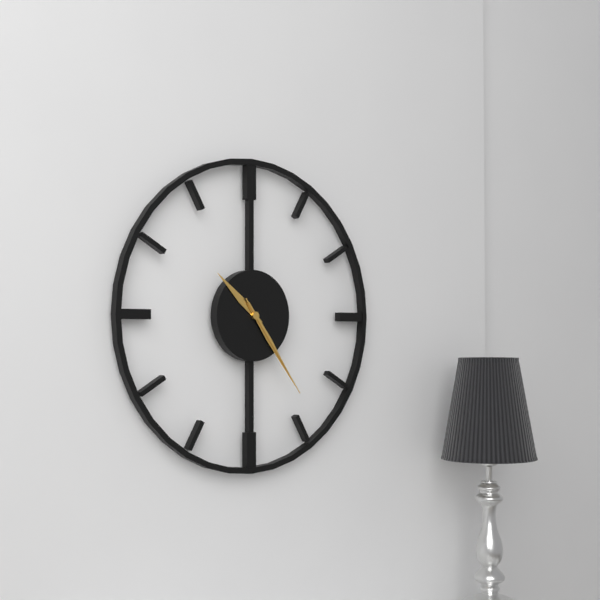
10:24:24
